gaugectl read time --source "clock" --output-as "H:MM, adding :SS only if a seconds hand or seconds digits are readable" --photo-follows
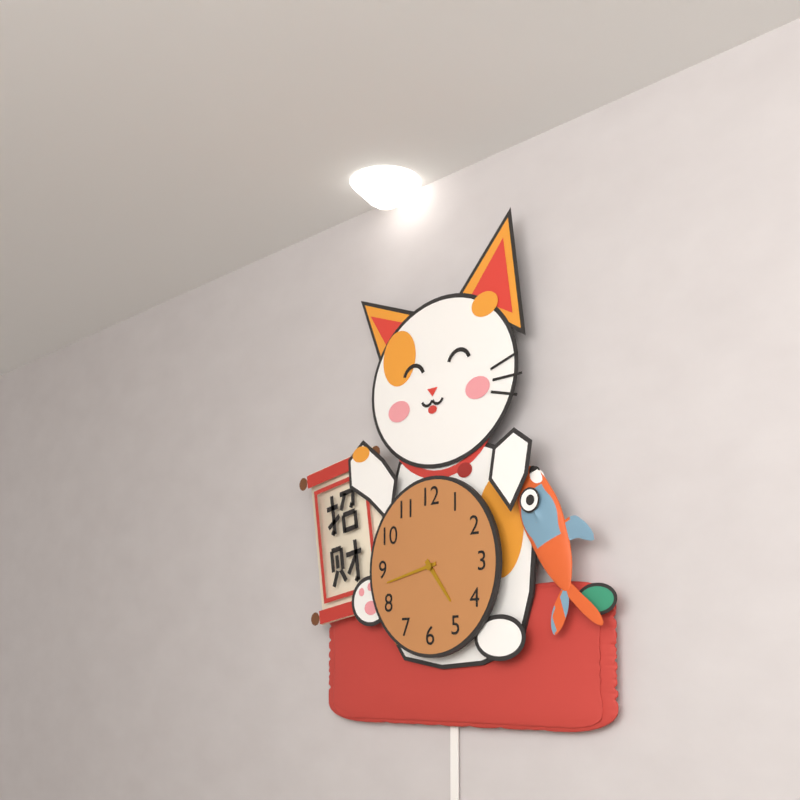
4:43
